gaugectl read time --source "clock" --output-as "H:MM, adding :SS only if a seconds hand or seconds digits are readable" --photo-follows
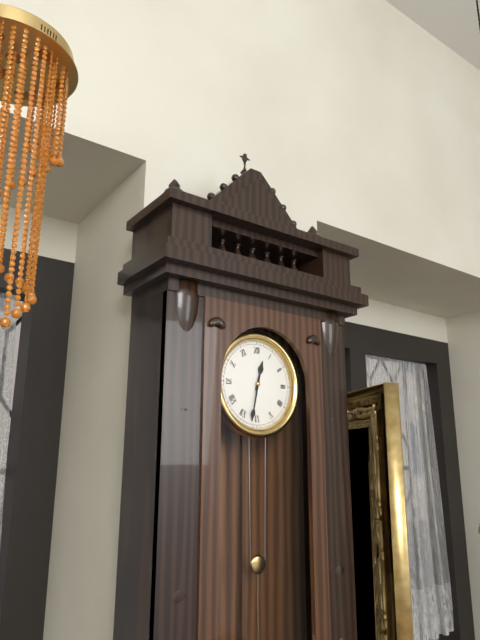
12:32
